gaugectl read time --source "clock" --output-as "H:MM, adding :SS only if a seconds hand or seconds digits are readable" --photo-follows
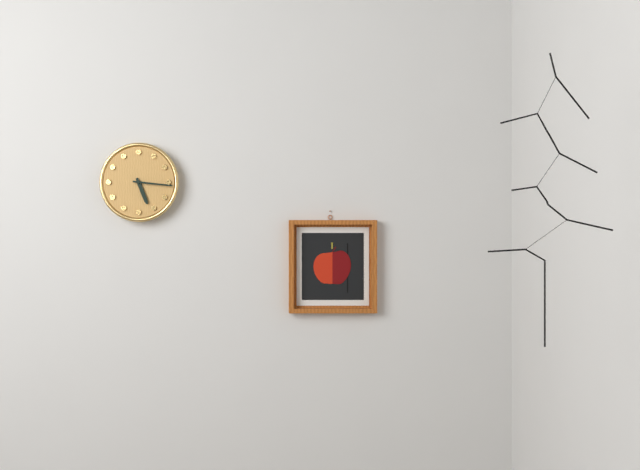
5:16
